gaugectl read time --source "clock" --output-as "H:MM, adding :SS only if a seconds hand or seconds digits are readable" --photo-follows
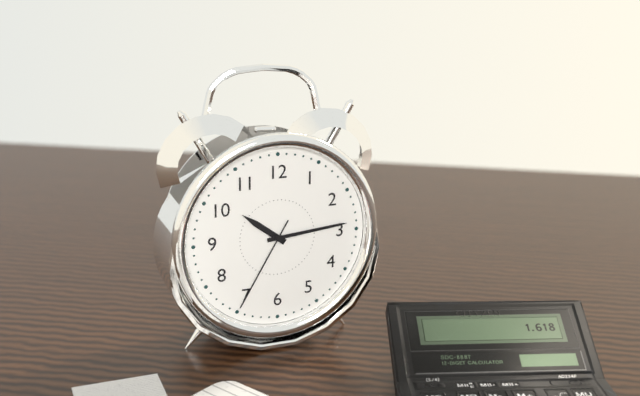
10:14:35
